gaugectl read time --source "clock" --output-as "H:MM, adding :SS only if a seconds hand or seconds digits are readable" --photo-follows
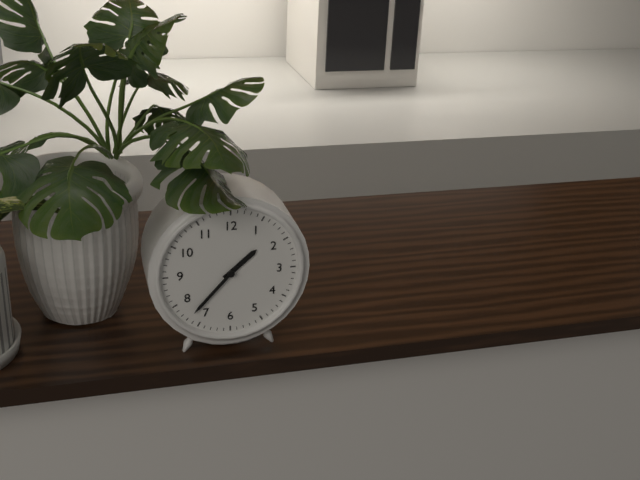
1:37
